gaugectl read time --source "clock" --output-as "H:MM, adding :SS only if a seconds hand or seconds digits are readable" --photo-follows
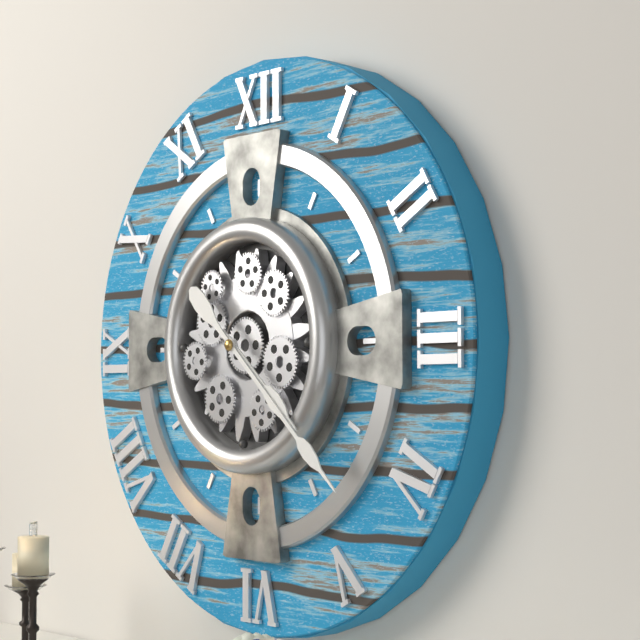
4:22
